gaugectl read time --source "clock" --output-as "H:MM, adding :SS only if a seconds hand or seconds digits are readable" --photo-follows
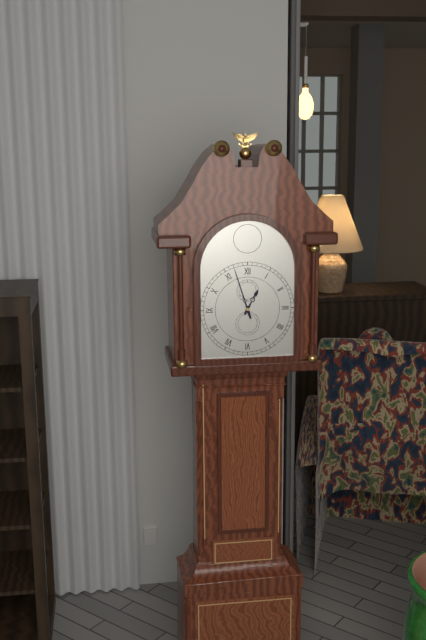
12:57
